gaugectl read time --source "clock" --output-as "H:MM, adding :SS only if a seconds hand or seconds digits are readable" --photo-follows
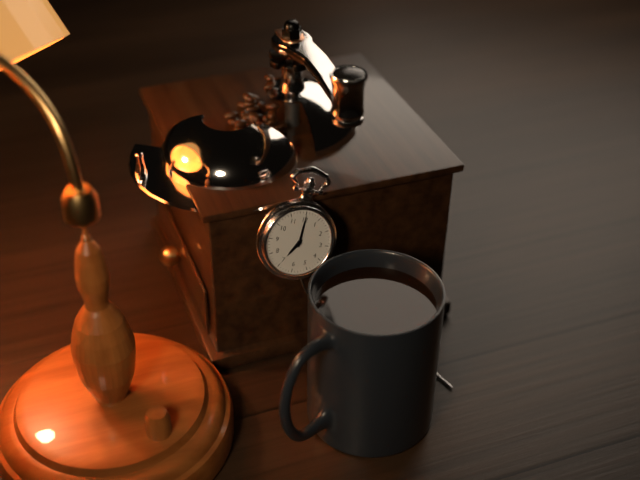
7:00
